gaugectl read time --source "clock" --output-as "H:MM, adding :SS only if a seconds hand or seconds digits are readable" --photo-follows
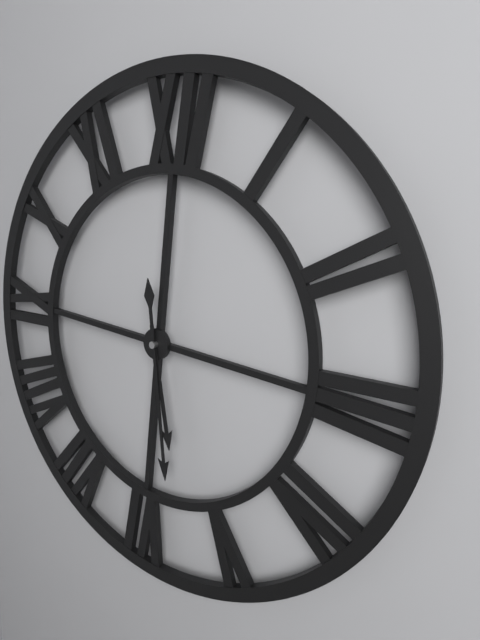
5:28
